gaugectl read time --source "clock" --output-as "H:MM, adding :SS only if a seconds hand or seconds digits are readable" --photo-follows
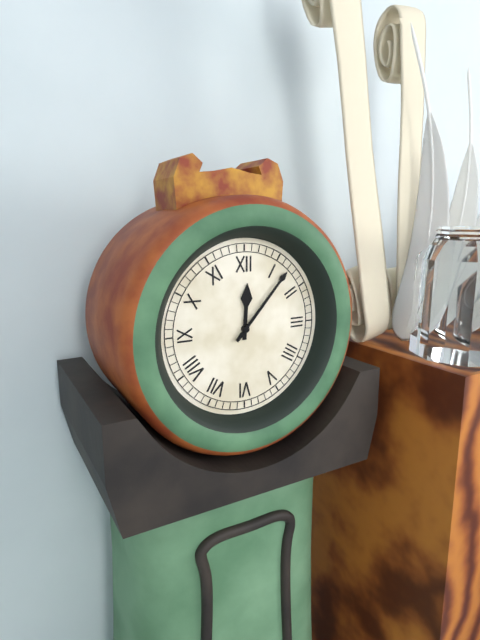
12:07
